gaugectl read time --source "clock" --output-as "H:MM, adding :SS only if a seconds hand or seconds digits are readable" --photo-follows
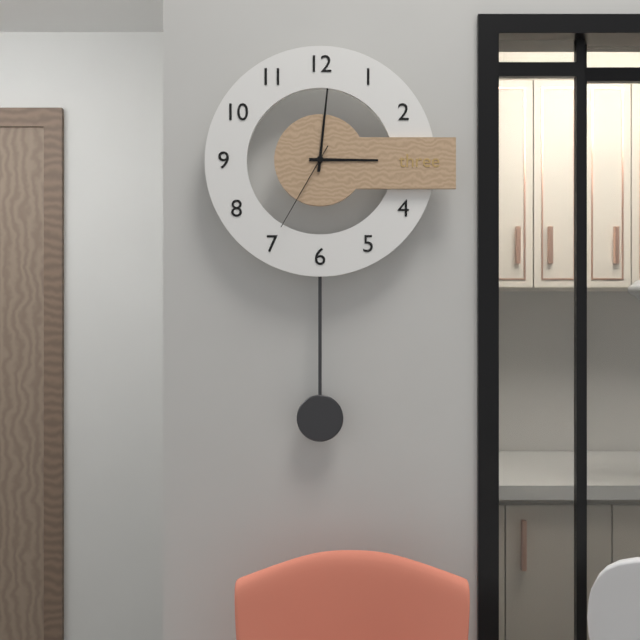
3:01:35
